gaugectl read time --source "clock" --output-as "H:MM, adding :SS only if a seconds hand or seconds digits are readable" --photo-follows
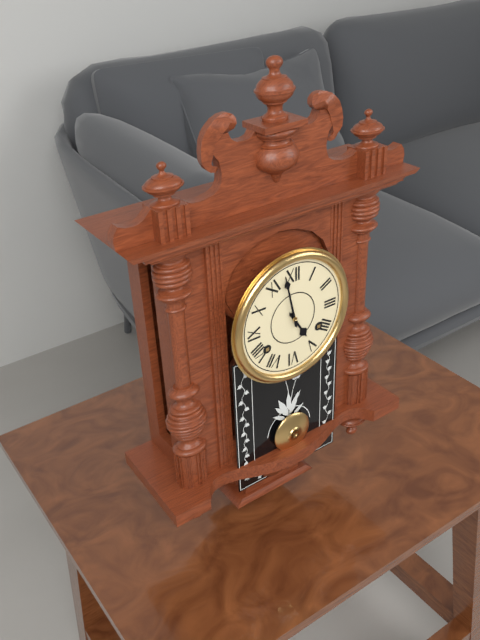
4:58
